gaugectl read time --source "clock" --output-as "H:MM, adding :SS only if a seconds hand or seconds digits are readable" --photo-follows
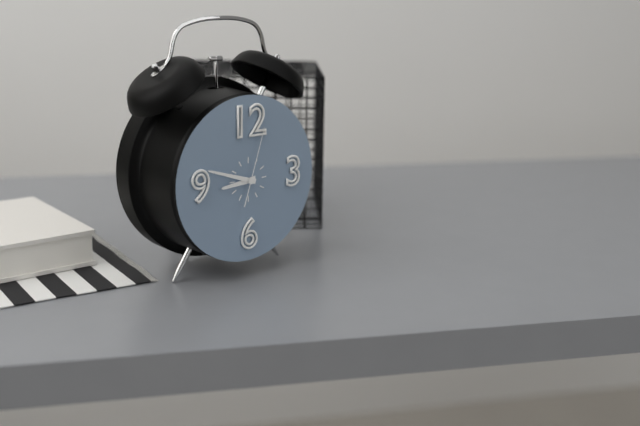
8:48:03
